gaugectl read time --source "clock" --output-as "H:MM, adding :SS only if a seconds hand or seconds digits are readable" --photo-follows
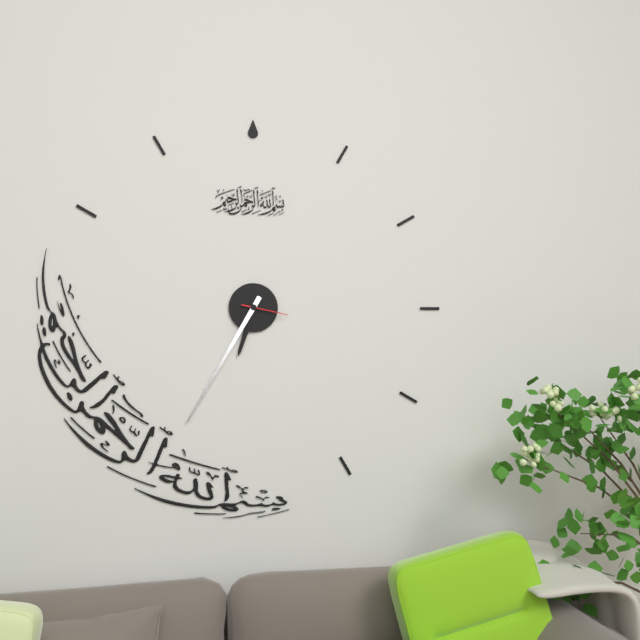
6:35
